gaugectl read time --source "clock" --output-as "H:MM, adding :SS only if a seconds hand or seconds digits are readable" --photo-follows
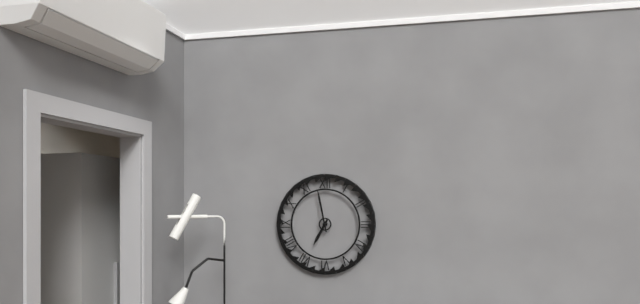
6:58
